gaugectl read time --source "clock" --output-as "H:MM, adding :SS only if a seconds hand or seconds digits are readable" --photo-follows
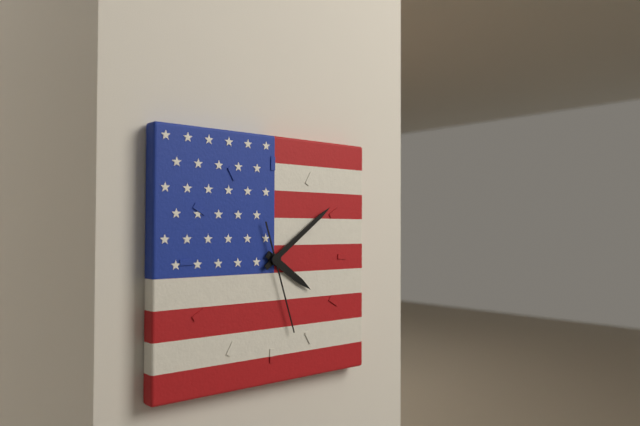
4:09:27
